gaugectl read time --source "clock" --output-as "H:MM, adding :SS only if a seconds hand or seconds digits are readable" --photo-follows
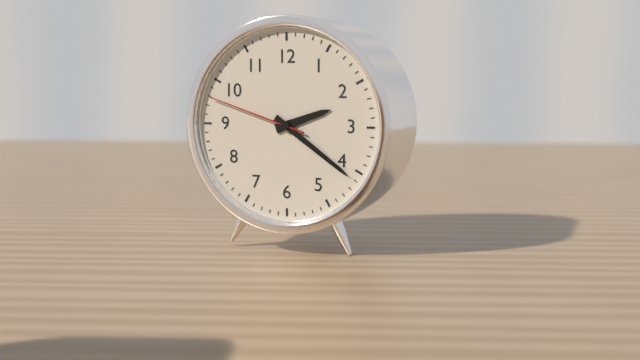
2:21:48
